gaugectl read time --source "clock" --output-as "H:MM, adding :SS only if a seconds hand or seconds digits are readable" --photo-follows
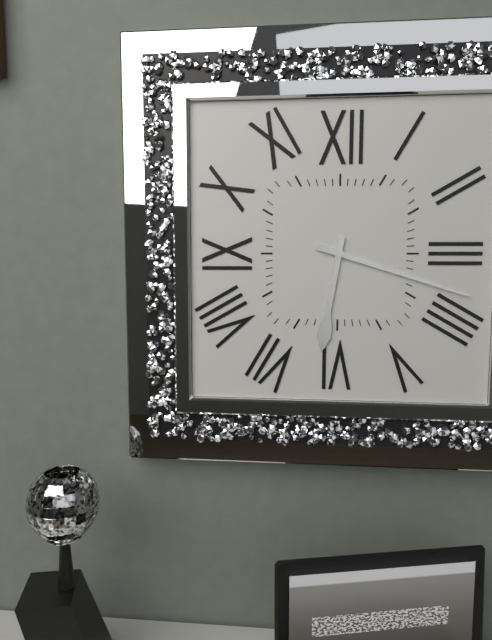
6:18
